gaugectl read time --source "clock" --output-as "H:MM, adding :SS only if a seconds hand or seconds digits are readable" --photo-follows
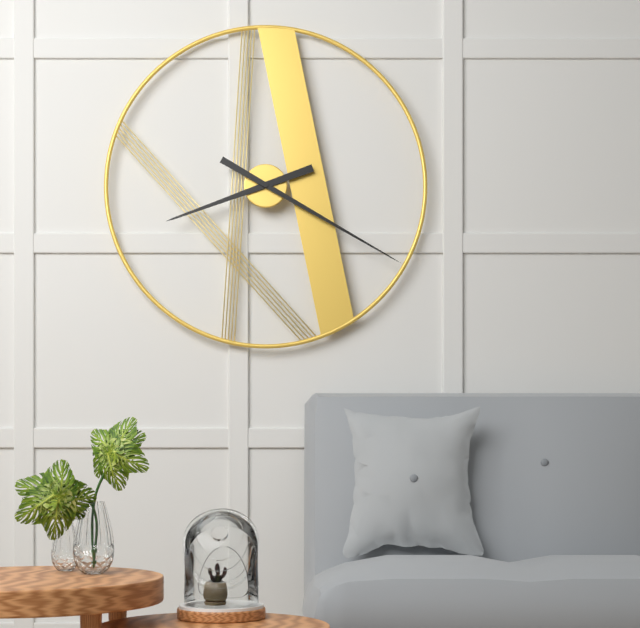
8:20
